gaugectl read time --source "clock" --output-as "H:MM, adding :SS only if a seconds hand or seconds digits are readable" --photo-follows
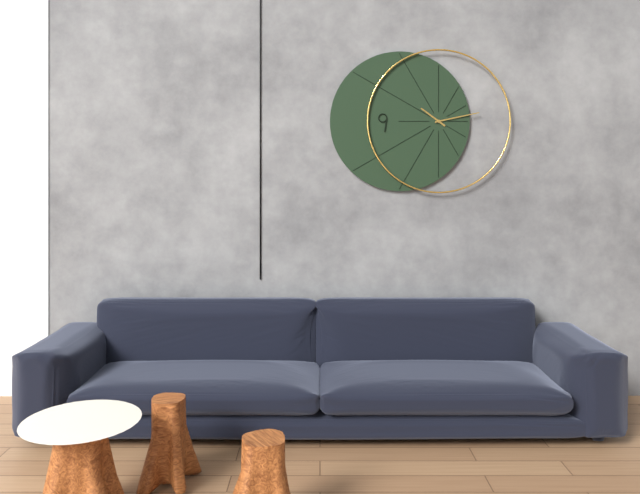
10:13
